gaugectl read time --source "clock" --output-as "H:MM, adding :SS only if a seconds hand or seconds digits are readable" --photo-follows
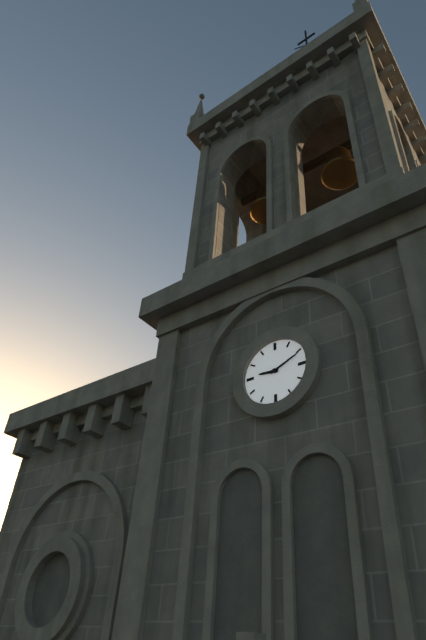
9:11
